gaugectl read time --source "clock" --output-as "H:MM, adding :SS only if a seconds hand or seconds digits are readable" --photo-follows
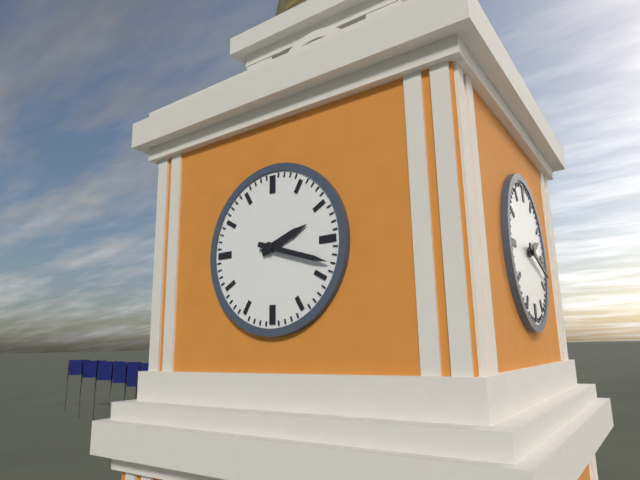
2:18
